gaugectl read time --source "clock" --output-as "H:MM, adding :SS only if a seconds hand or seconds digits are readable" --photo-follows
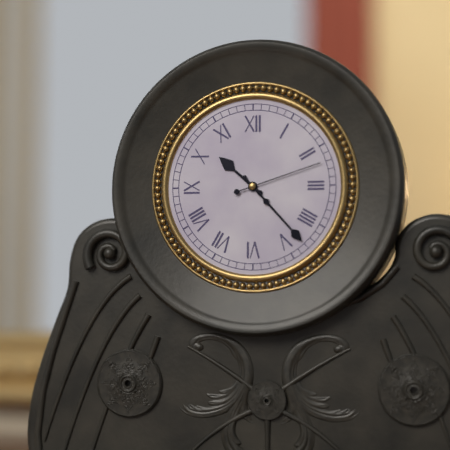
10:23:12
